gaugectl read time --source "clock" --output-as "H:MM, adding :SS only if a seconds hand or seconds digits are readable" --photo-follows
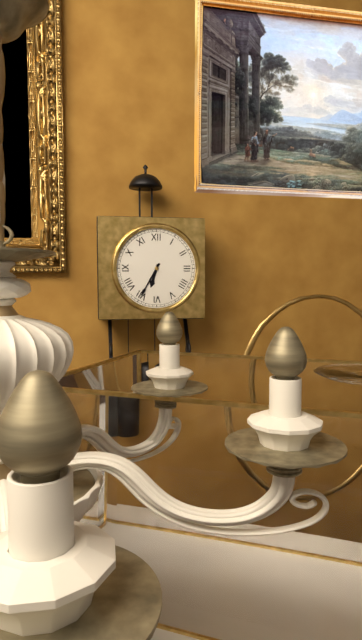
6:35
